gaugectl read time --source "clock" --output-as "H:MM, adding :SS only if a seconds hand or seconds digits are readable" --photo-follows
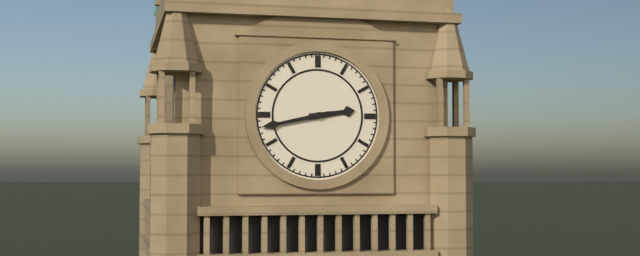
2:43
